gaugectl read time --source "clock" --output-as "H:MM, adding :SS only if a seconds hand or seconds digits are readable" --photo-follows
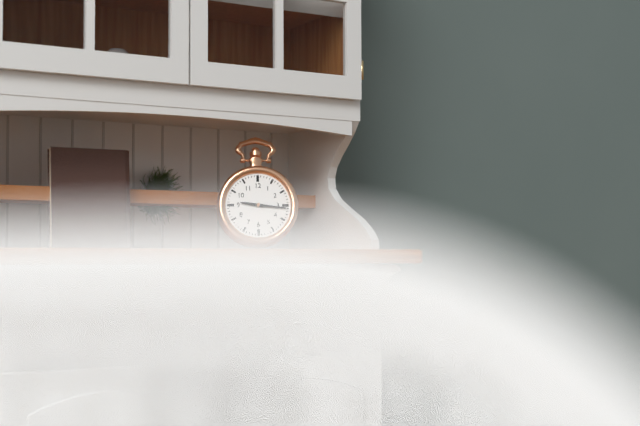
9:16
